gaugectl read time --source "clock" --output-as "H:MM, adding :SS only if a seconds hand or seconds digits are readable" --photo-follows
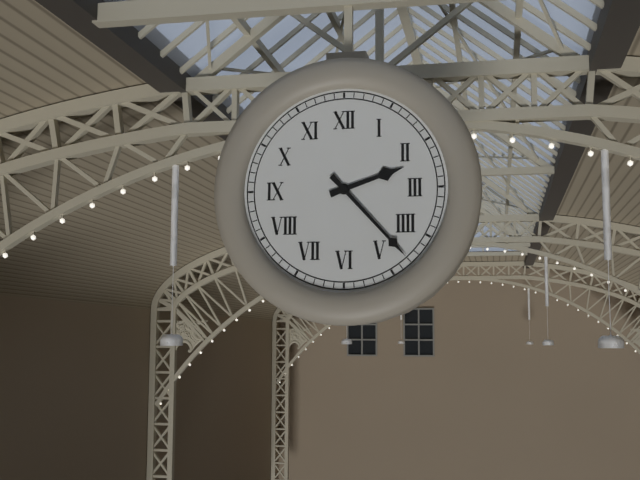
2:23
